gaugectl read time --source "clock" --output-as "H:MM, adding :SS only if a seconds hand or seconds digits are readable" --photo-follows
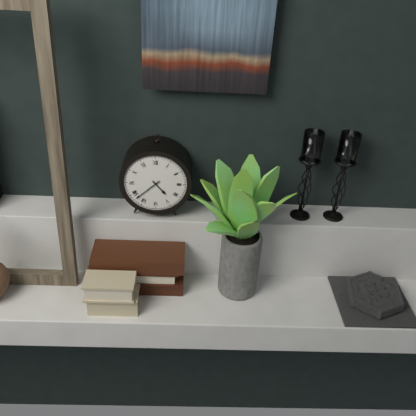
4:38
